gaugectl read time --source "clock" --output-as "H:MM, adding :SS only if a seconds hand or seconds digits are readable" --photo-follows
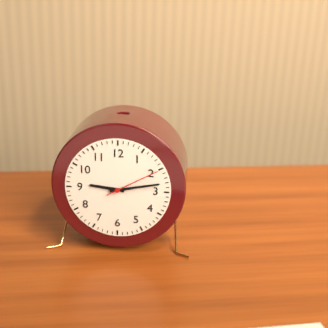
9:13:10
